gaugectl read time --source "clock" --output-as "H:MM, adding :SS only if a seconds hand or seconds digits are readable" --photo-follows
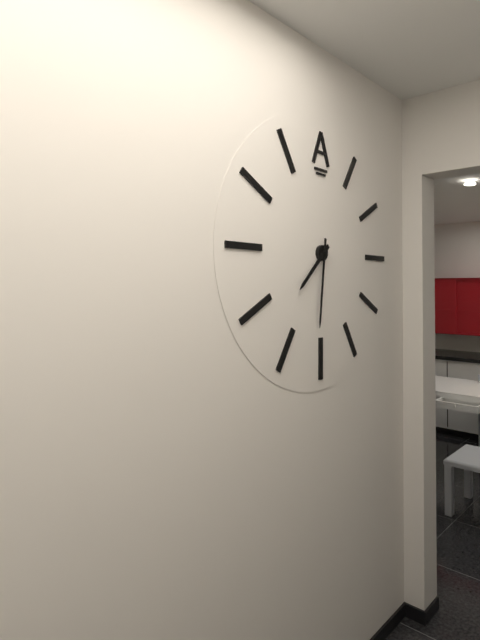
7:31
